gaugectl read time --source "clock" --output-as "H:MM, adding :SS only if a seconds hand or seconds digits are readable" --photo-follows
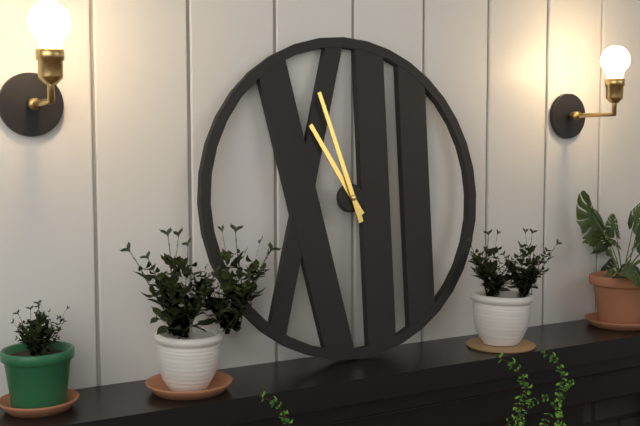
10:57
